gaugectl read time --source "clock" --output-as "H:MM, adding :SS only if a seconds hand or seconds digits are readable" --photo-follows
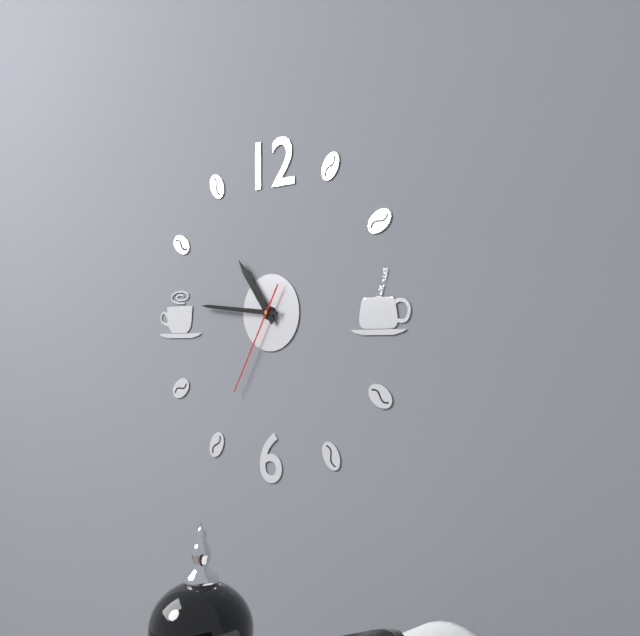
10:46:35
